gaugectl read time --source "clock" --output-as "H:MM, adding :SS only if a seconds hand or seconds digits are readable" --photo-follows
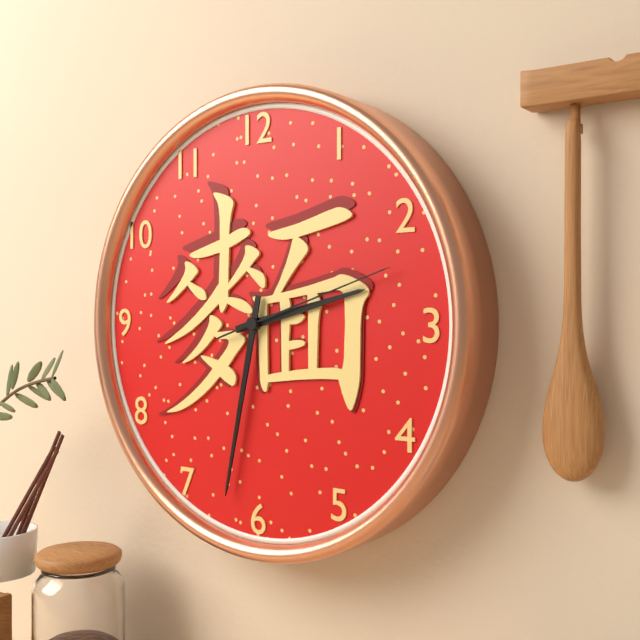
2:32:12
